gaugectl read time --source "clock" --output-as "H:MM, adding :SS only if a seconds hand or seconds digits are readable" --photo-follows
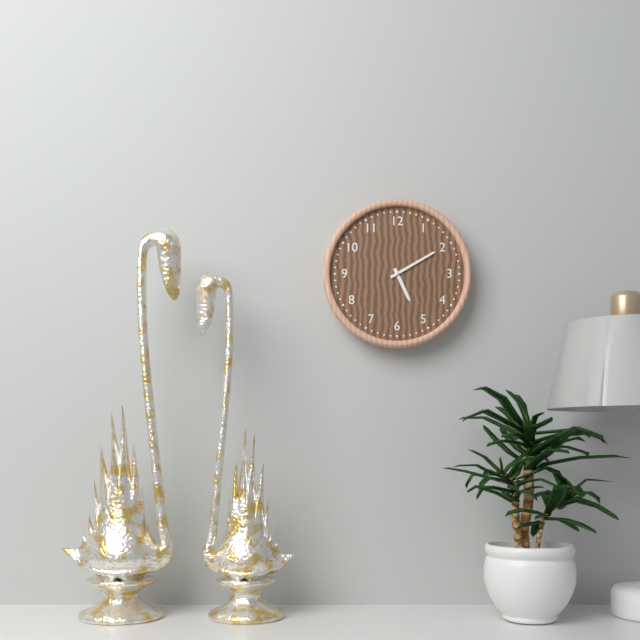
5:10
